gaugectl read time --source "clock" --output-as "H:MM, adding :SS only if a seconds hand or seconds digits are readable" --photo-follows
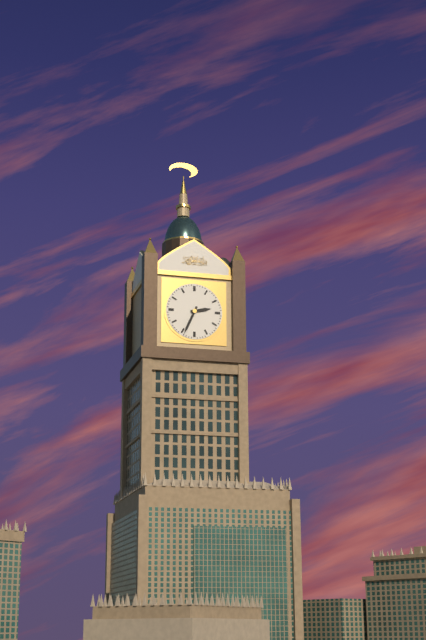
2:34
